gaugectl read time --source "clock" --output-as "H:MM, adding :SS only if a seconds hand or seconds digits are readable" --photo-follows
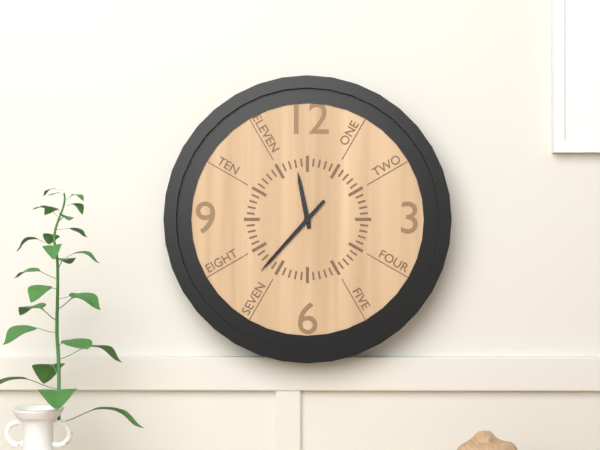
11:37
